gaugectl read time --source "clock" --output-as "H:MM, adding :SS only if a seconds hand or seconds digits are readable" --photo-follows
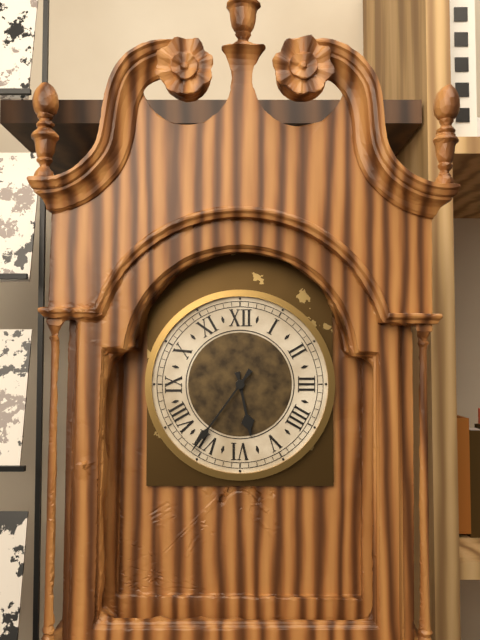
5:36
